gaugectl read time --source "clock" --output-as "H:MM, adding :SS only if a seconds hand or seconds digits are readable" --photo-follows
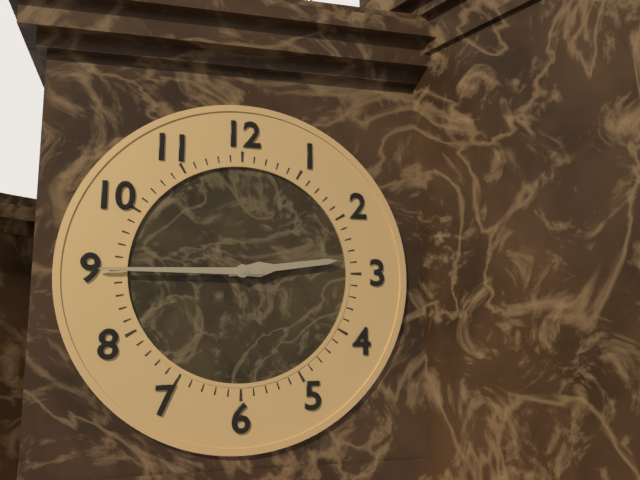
2:45
